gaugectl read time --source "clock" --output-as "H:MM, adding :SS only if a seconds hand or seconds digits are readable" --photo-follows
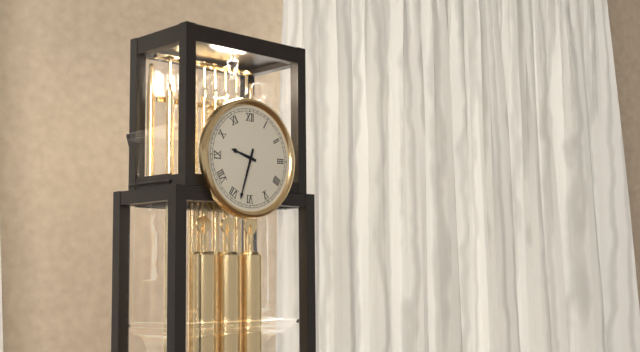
9:33
